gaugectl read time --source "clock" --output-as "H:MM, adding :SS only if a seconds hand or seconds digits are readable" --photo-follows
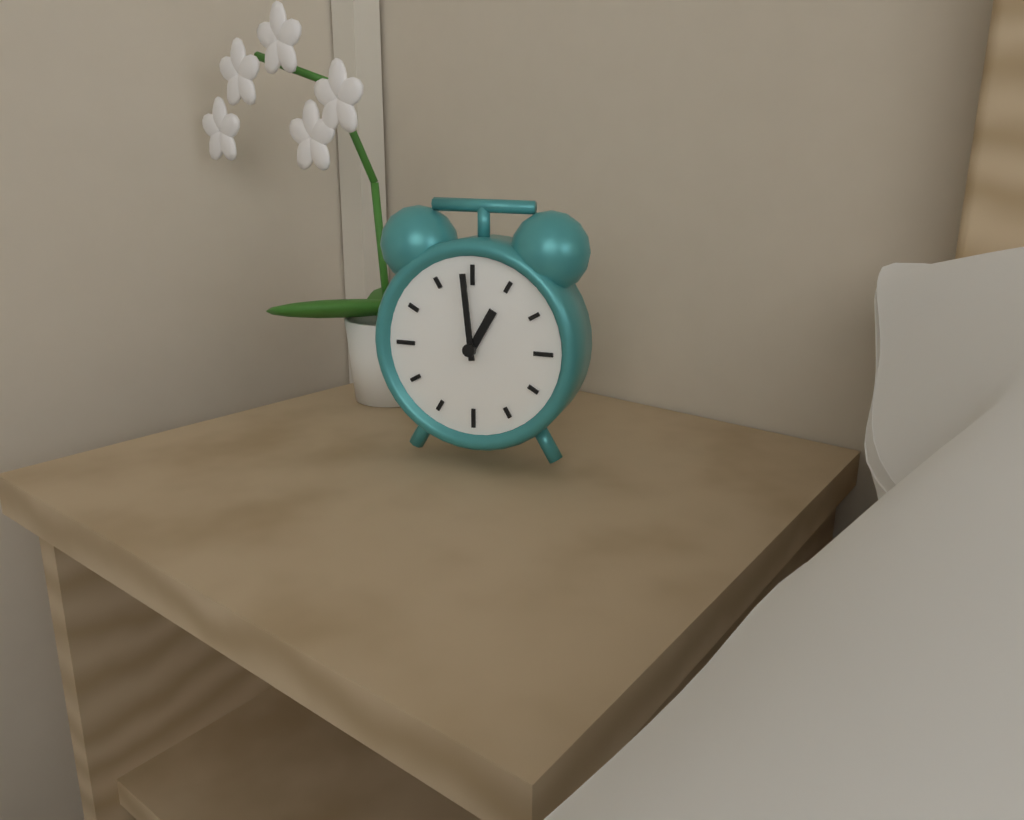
12:59
